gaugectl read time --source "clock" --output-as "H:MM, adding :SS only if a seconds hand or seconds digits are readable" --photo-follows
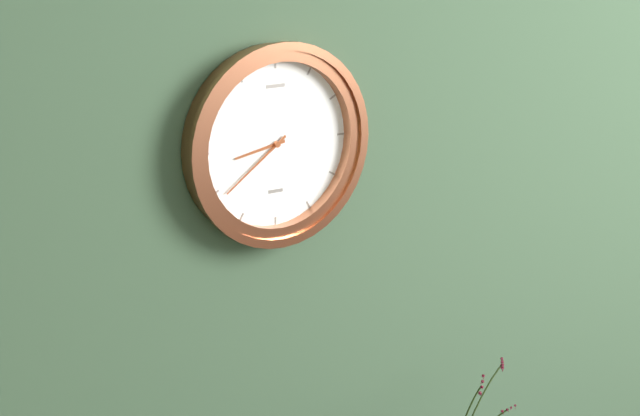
8:39
